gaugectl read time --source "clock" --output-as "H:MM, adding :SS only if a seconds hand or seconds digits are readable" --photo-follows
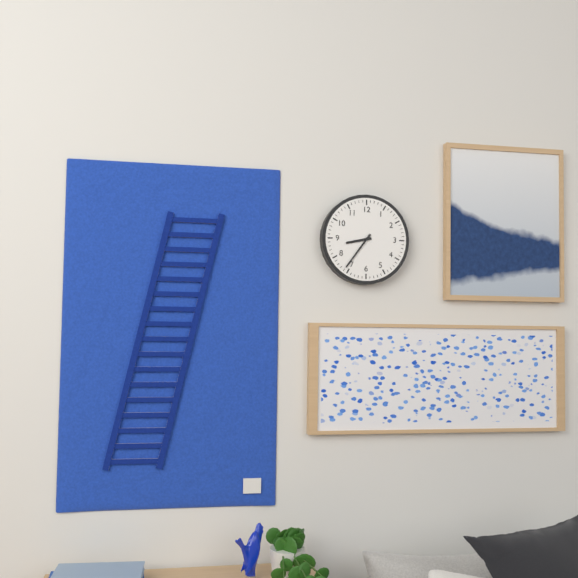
8:36
